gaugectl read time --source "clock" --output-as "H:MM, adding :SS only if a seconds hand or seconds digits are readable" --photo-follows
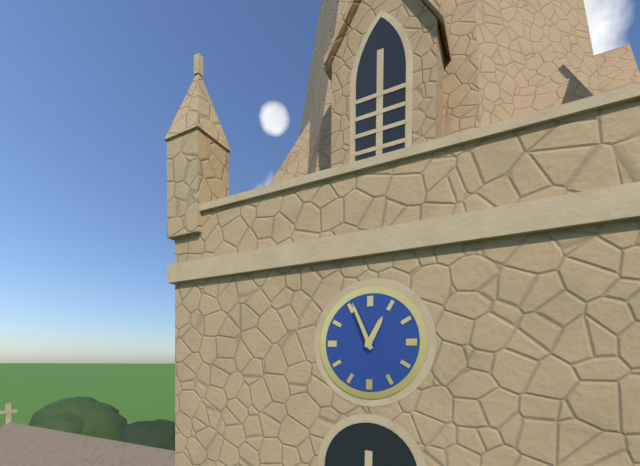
12:56
